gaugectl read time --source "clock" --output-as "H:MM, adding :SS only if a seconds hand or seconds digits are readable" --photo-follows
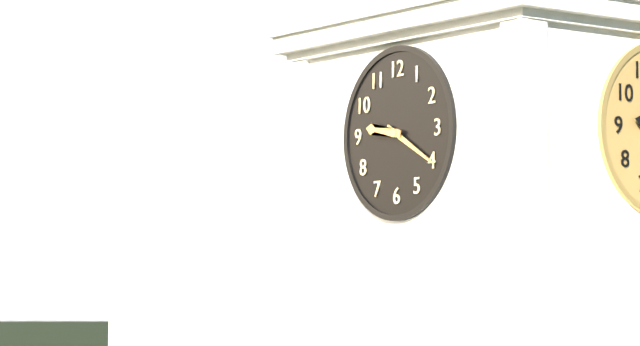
9:20
